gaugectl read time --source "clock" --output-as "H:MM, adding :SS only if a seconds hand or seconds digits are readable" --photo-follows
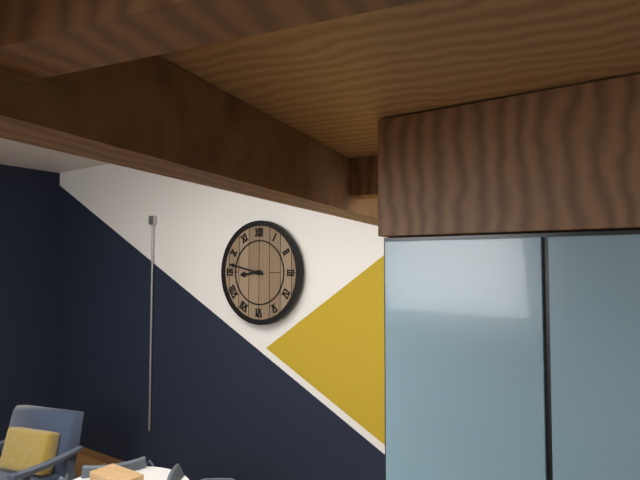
8:47
